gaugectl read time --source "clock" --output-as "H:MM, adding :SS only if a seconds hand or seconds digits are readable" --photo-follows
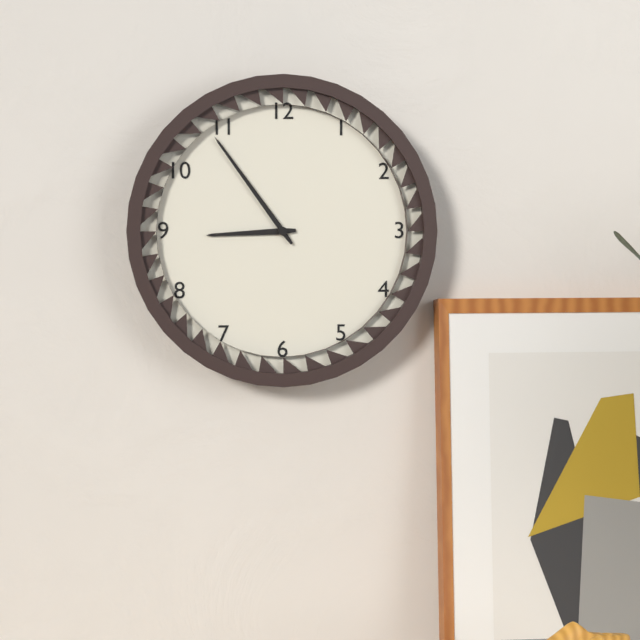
8:54
